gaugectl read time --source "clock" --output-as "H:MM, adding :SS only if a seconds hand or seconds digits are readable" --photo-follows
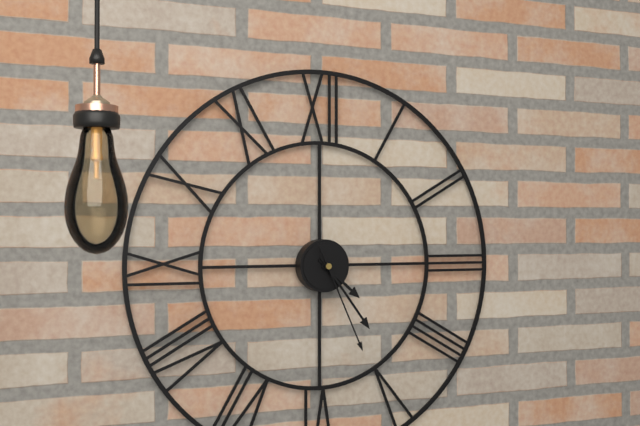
4:24:26
